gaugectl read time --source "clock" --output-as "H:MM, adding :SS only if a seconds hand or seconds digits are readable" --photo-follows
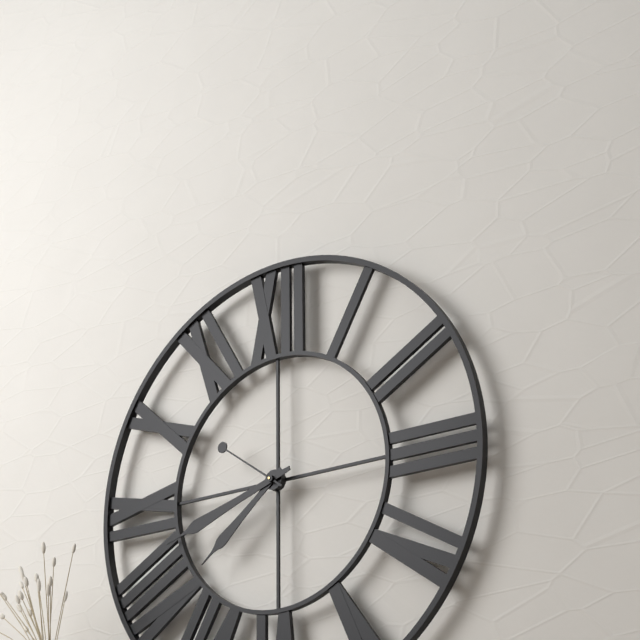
7:42:51
